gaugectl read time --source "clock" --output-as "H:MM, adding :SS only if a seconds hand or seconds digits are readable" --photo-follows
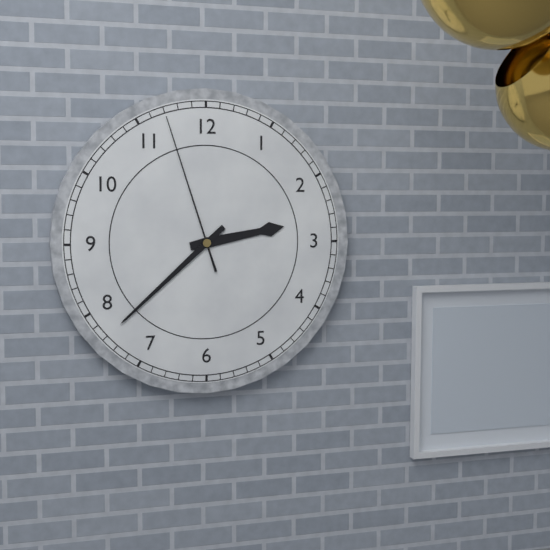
2:38:57
